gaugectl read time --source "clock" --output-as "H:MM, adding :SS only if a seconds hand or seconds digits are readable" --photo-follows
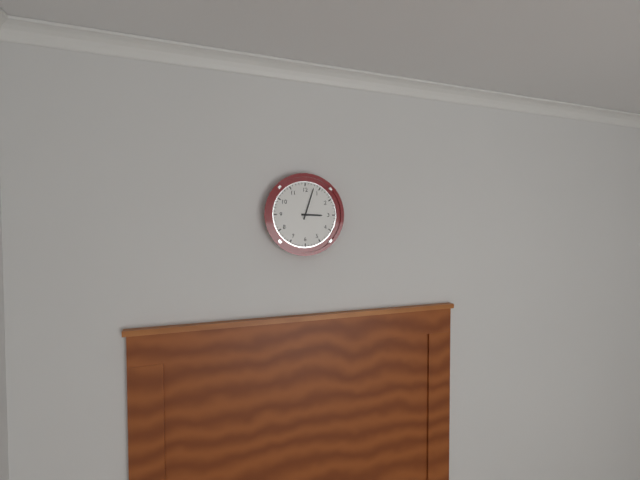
3:03
